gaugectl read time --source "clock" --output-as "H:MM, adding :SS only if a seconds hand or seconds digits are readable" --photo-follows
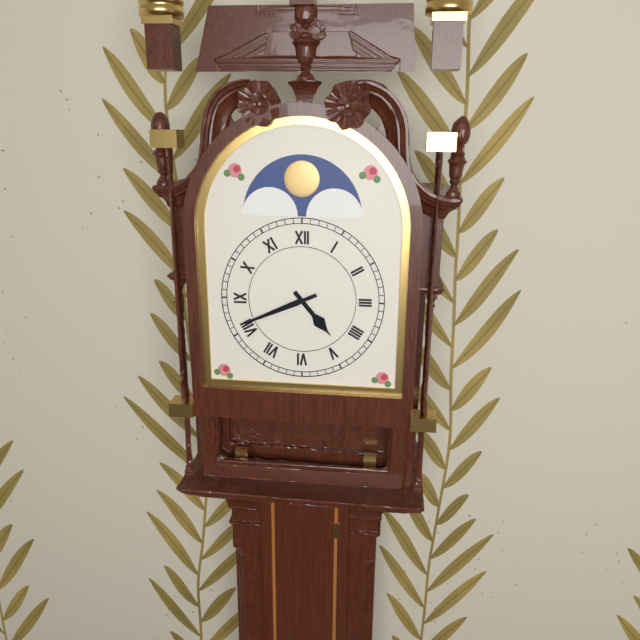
4:41
